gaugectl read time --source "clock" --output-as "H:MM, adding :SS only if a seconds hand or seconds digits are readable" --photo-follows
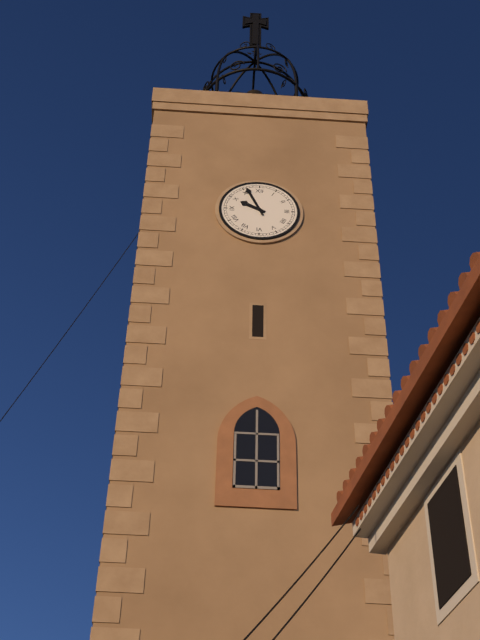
9:56
